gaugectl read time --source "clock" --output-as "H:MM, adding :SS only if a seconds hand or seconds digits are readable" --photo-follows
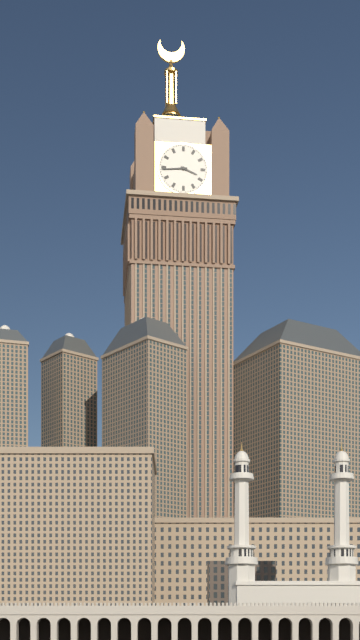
3:44
